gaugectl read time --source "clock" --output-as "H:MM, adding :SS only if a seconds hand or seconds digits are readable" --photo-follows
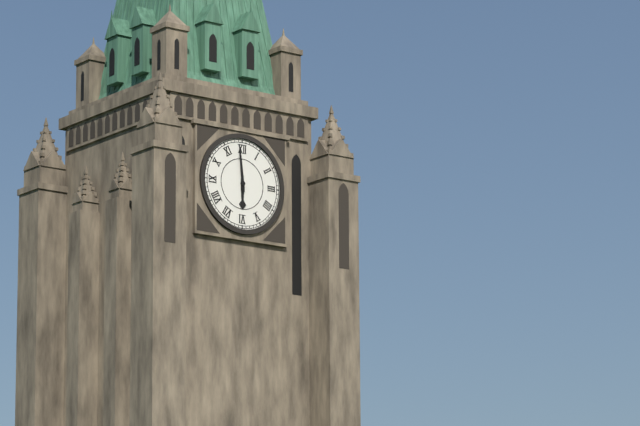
5:59
